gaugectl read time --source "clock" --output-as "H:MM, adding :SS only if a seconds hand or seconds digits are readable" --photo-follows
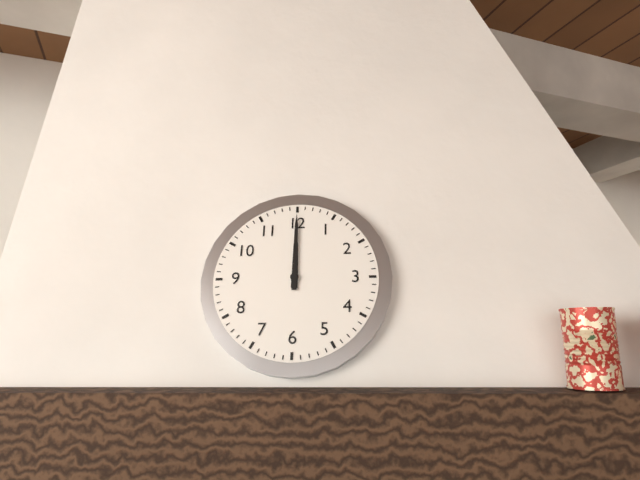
12:00
